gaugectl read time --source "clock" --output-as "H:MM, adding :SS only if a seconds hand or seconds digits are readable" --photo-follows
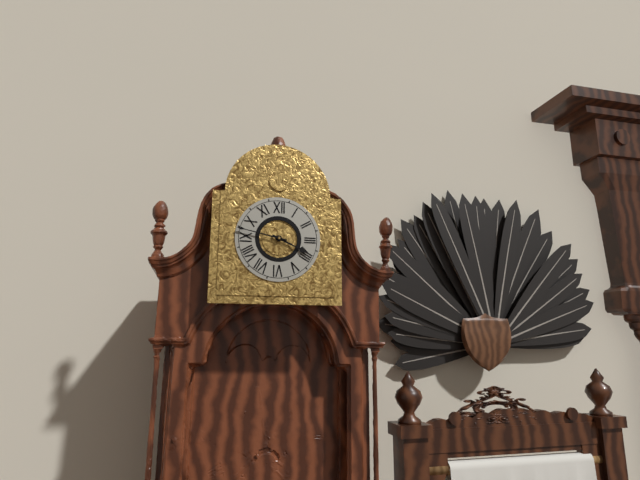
3:47
